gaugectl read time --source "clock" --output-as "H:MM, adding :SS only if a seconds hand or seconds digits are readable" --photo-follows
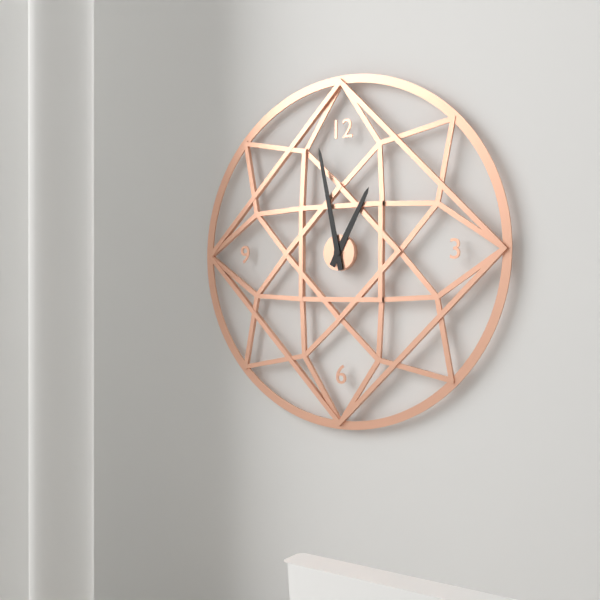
12:58
